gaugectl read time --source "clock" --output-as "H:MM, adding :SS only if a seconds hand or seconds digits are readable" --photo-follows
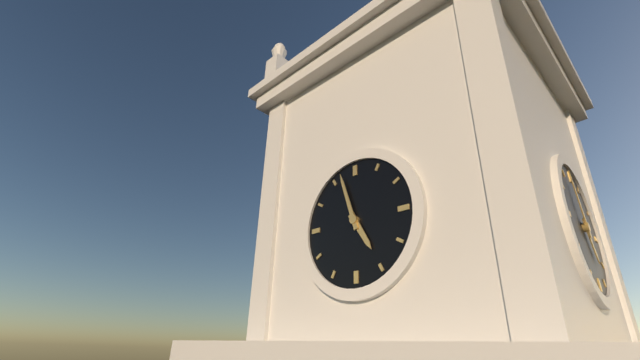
4:57
